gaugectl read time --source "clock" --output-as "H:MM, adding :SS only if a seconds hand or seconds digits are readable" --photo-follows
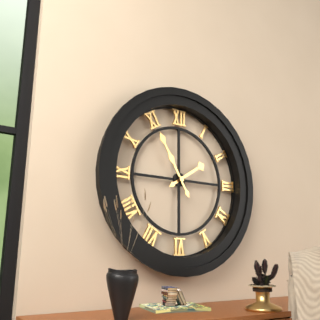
1:55
